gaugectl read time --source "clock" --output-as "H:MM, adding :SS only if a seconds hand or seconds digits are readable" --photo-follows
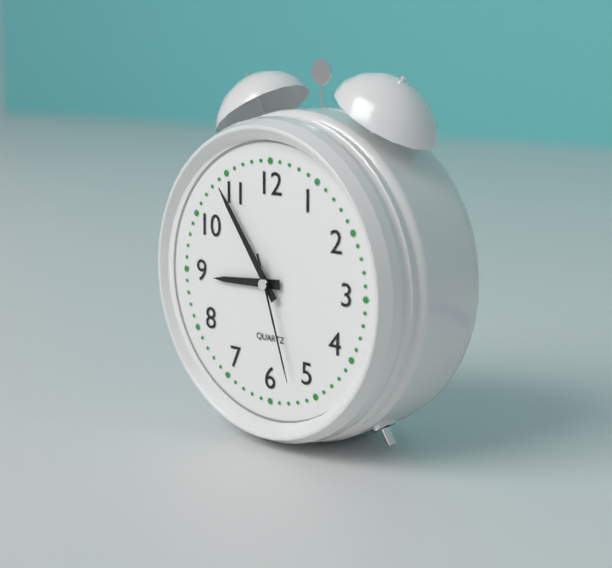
8:54:27
